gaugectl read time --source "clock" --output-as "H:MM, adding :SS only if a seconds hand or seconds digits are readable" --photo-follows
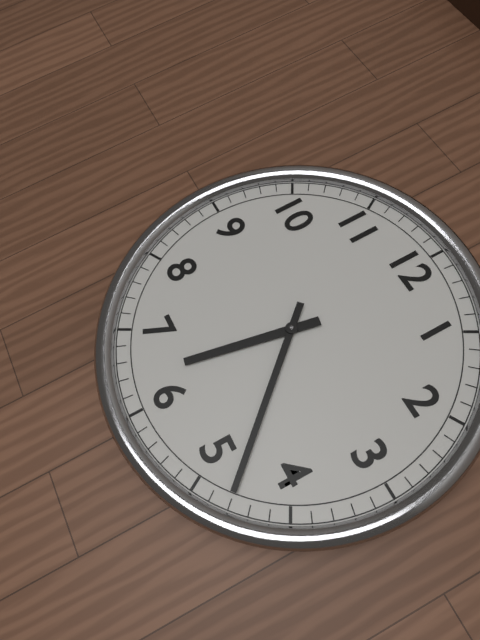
6:23
